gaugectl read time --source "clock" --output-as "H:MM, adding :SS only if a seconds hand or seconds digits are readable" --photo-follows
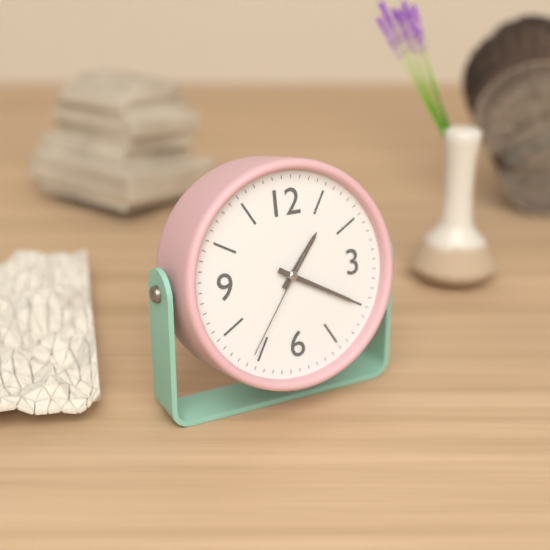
1:20:36
